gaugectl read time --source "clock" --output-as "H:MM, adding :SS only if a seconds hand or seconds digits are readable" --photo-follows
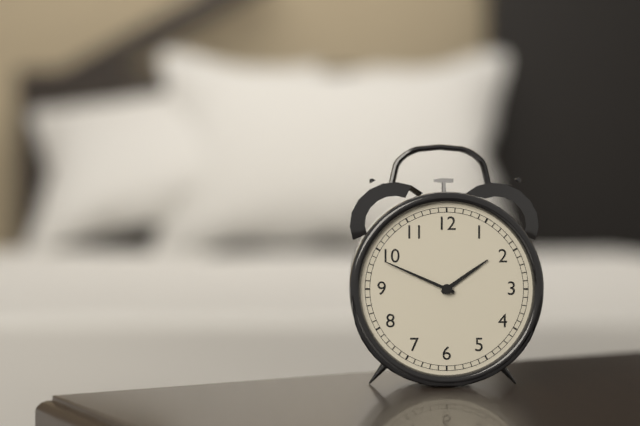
1:49
